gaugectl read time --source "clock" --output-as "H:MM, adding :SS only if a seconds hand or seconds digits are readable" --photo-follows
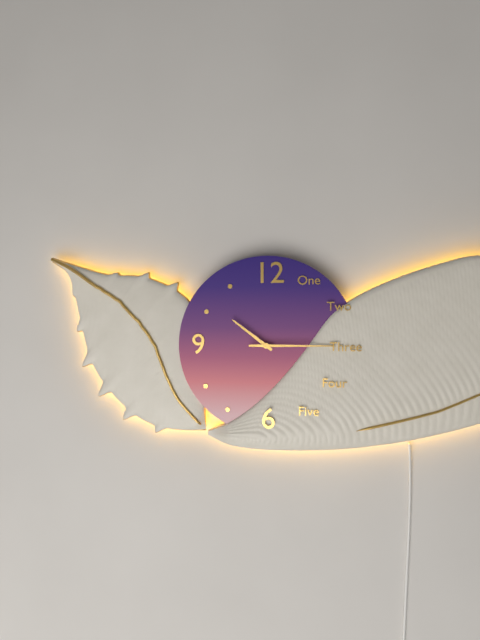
10:15
